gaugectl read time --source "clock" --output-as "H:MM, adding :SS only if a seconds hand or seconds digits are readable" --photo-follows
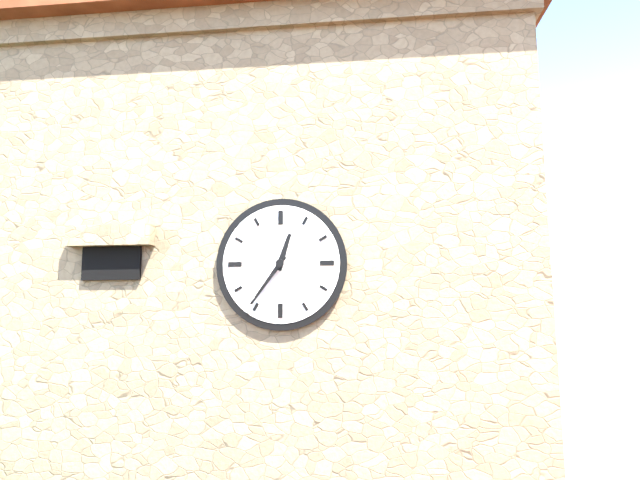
12:36
